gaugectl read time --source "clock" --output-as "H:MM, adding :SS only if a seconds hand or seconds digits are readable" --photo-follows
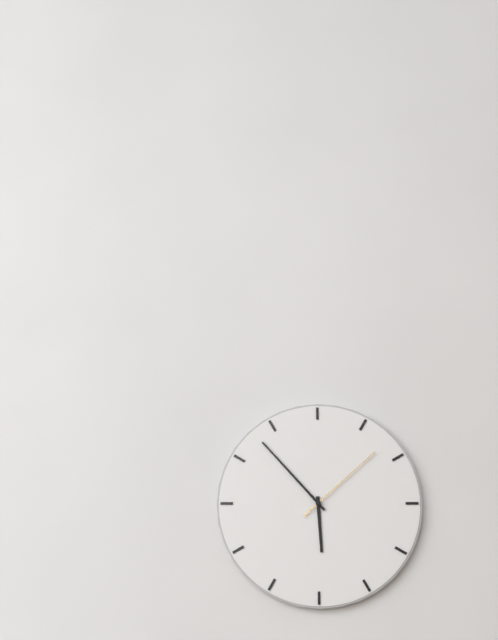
5:53:08
